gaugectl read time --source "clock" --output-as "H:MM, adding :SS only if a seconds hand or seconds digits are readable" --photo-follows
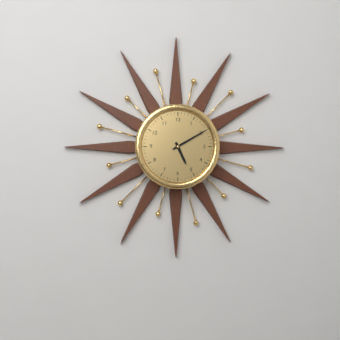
5:10
